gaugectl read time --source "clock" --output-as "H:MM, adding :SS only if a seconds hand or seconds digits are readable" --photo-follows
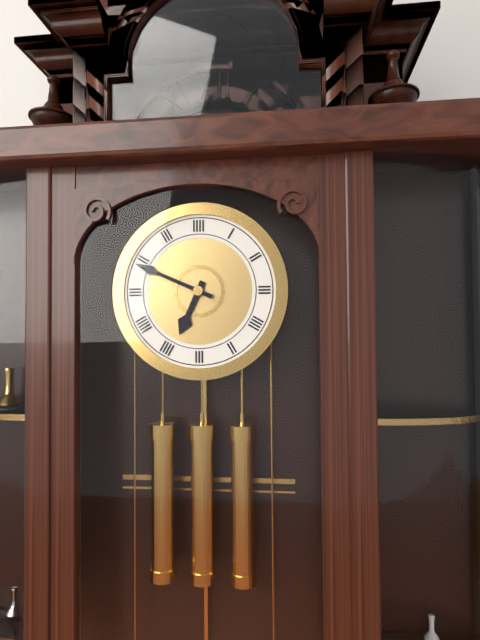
6:49
